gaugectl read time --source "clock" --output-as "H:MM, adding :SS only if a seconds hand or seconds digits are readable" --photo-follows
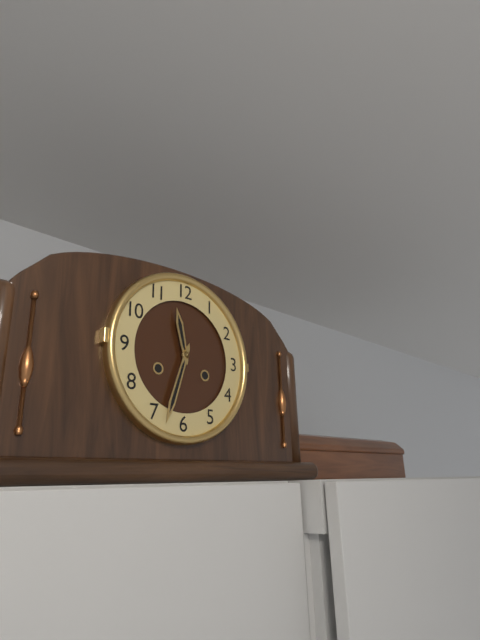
11:33
